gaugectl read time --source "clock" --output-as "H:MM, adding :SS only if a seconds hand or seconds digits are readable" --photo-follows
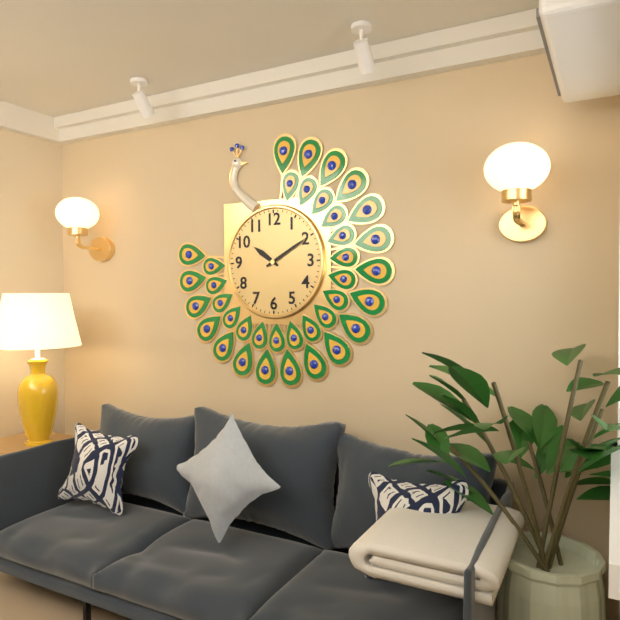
10:10
